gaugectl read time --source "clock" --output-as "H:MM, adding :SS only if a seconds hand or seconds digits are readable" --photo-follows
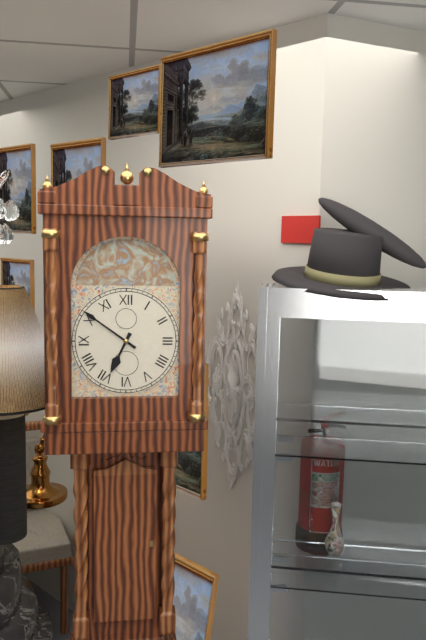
6:51
